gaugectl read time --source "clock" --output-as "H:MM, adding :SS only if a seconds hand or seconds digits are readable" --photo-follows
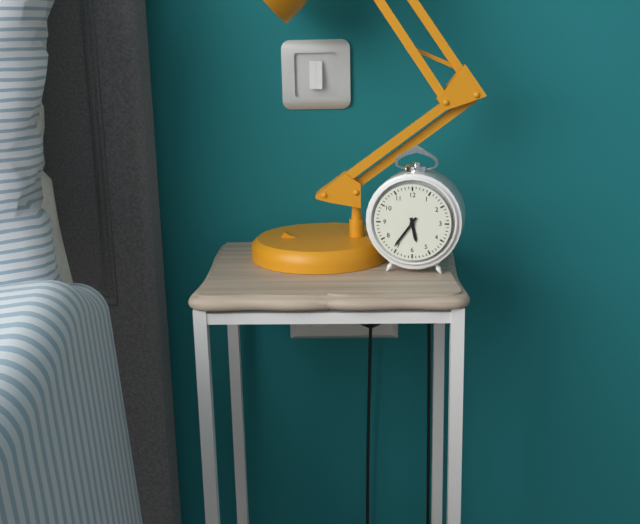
5:36
